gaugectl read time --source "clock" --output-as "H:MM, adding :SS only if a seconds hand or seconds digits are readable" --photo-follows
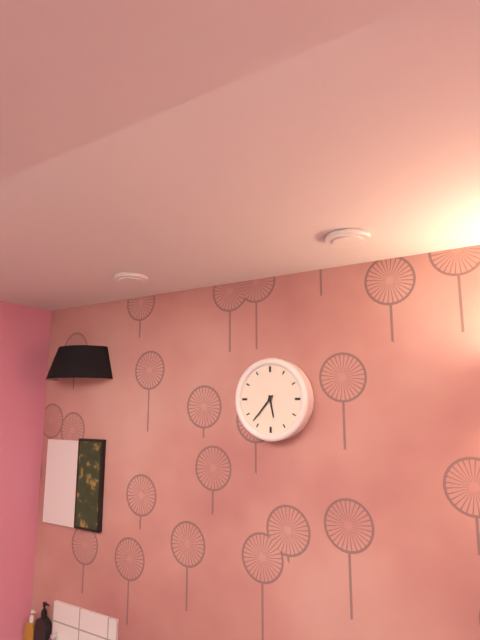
5:37
